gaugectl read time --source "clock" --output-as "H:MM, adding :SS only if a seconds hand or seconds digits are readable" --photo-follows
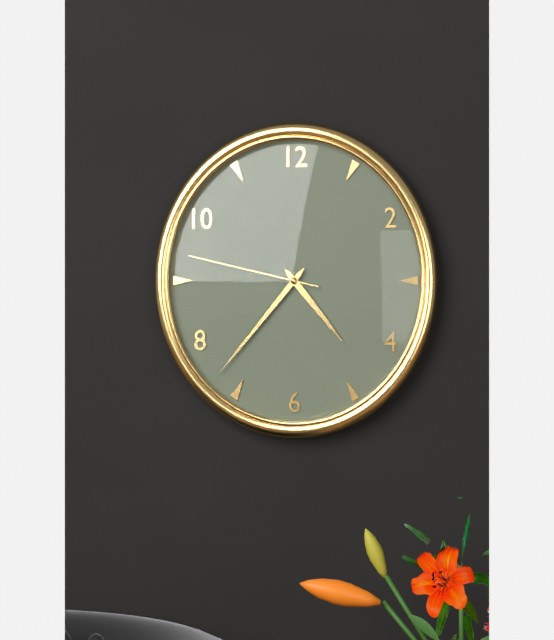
4:37:47
